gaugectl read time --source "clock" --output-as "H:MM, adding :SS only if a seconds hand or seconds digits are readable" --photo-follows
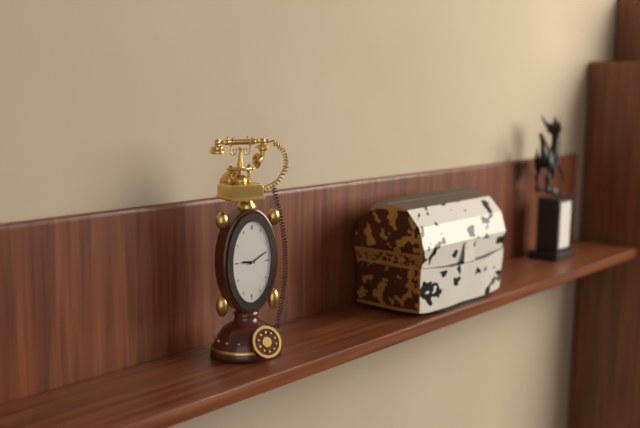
9:10
